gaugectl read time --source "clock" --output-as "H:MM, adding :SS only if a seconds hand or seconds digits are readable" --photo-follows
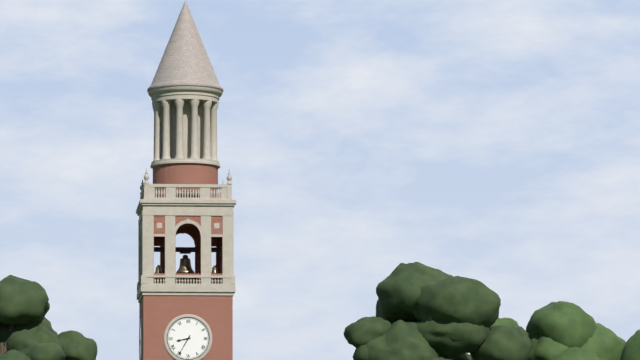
8:35
